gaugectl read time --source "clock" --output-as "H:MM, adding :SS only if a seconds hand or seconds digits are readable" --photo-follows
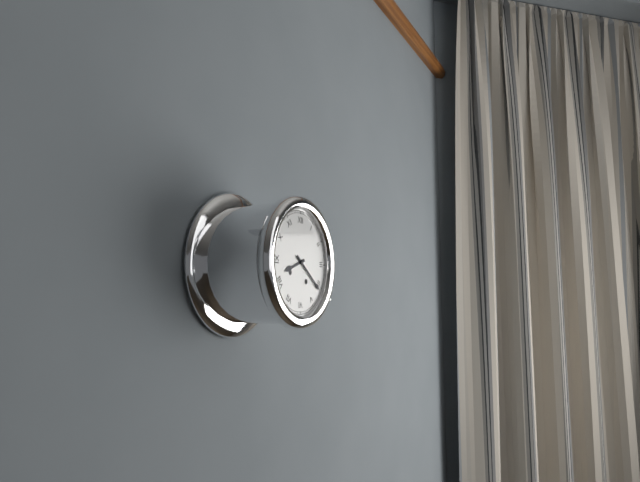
8:21
